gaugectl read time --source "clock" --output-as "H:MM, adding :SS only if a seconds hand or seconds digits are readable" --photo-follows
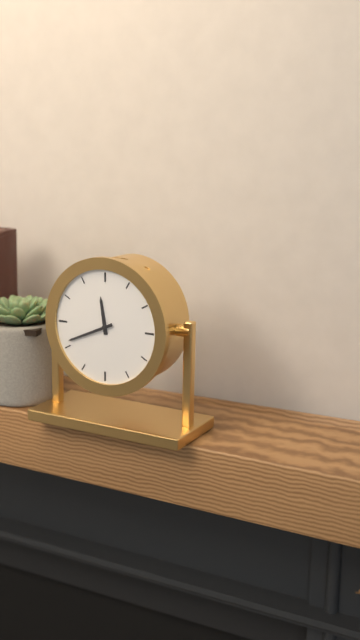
11:41
